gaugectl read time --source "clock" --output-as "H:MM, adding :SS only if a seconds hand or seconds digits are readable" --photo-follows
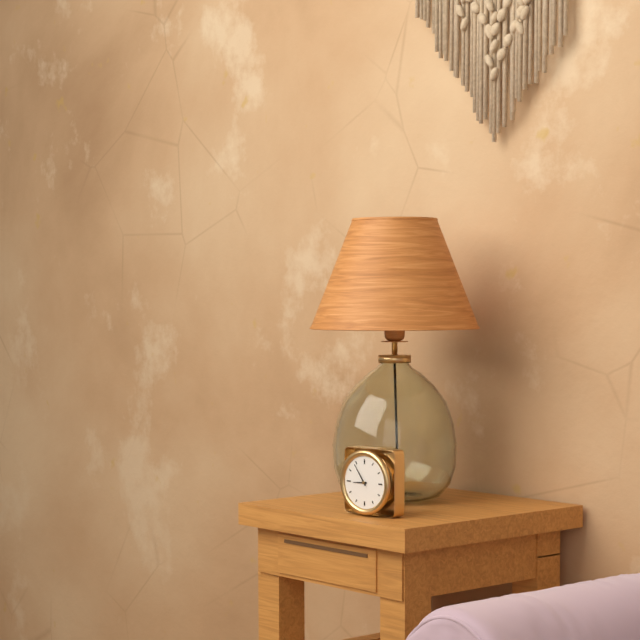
8:54
